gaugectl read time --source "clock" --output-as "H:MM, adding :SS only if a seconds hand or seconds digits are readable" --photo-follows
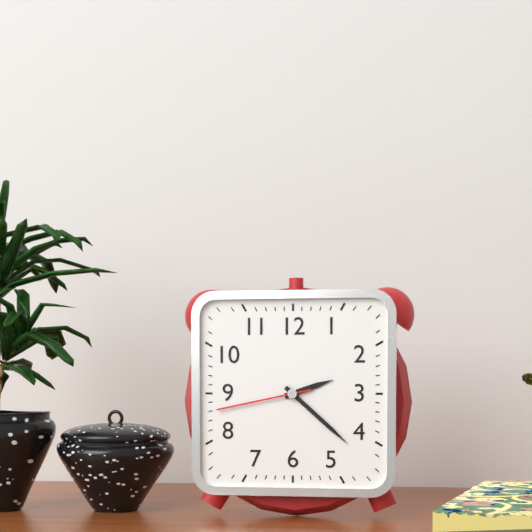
2:22:43
